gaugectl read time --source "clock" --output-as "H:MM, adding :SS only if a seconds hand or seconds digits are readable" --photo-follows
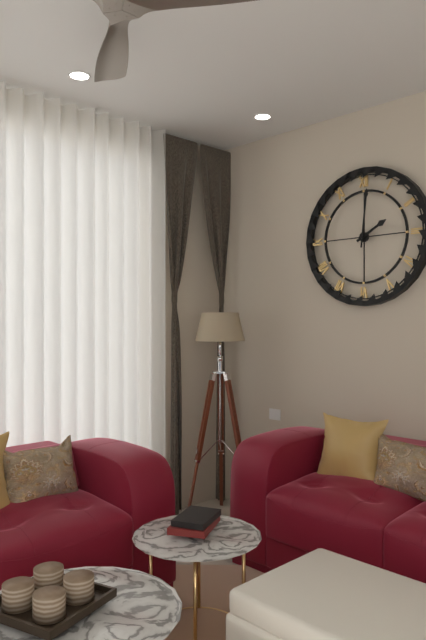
2:01
